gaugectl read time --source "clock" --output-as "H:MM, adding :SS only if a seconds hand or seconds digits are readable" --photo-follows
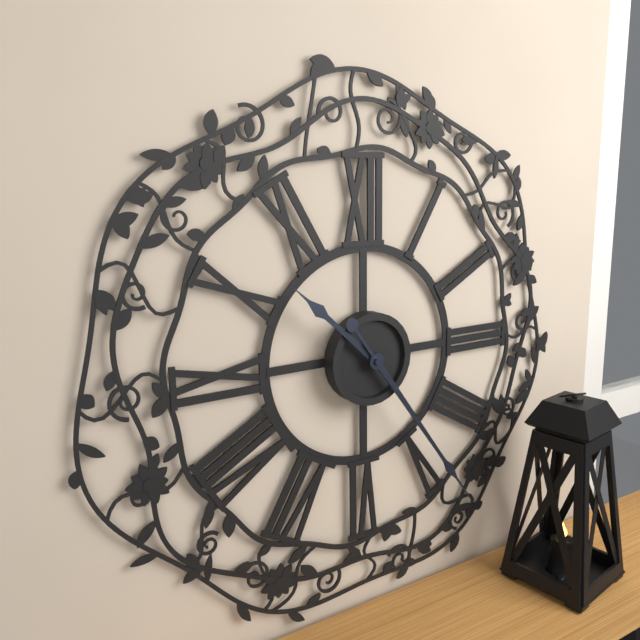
10:24
